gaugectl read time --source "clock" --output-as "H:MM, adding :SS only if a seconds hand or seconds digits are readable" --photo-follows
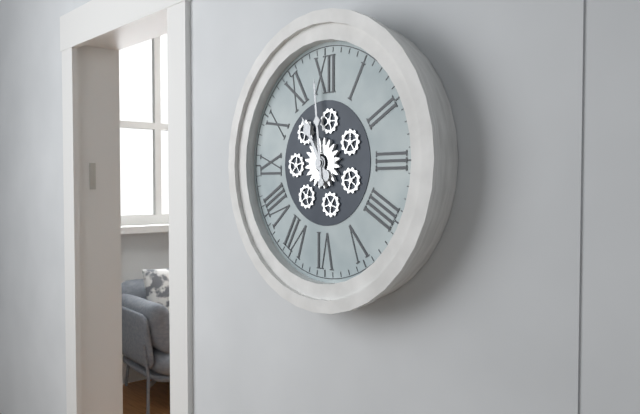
10:59
